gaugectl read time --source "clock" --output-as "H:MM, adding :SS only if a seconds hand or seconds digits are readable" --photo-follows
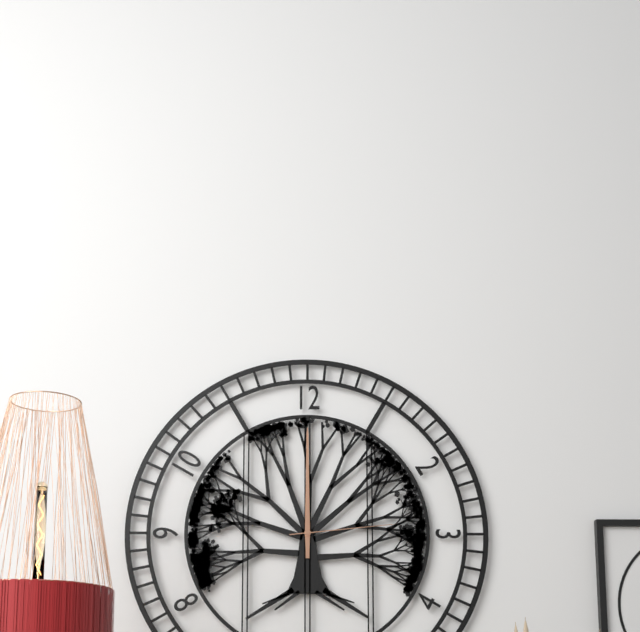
12:00:14
